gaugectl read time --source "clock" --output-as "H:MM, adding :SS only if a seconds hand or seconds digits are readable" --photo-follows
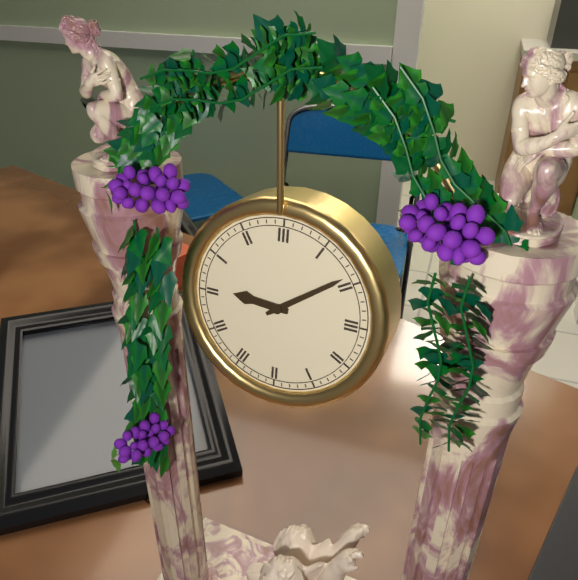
9:09
